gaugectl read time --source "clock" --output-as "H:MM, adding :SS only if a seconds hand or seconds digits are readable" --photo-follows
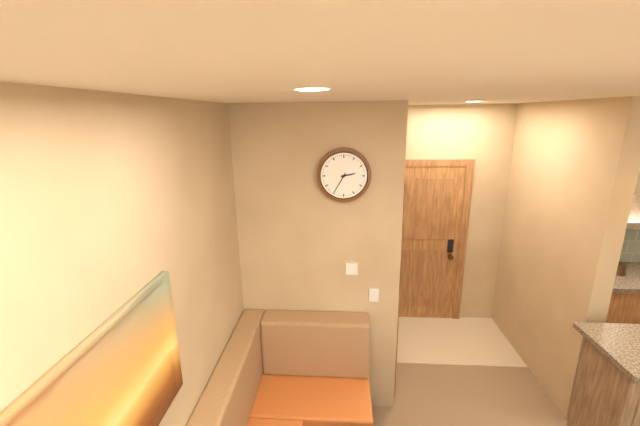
2:35
